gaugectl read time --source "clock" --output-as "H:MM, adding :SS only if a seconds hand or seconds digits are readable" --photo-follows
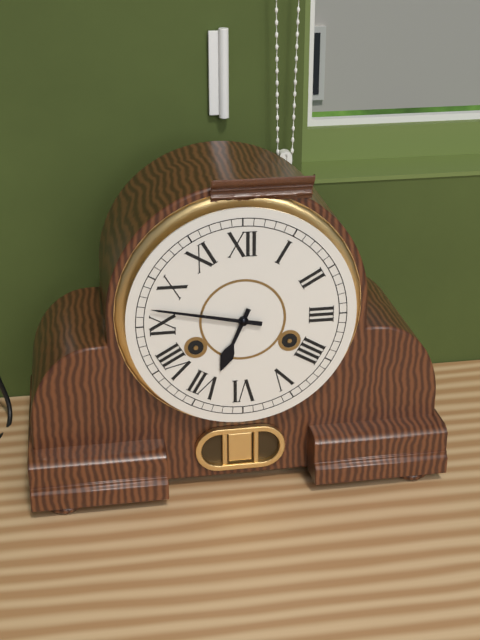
6:47
